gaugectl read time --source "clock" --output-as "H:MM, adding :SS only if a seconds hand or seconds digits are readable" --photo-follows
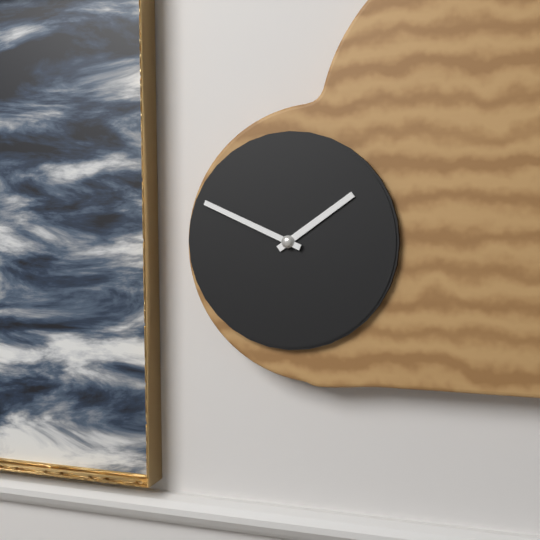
1:49
